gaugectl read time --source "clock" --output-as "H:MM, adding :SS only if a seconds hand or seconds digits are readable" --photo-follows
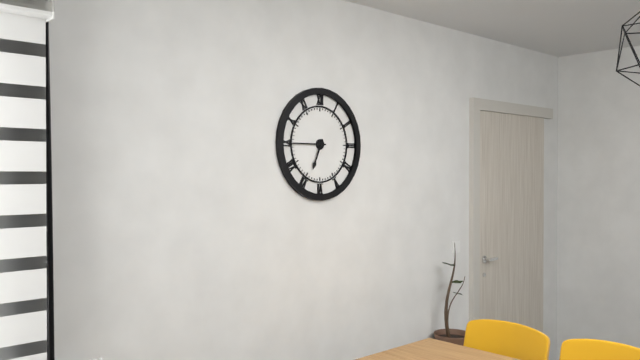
6:45
